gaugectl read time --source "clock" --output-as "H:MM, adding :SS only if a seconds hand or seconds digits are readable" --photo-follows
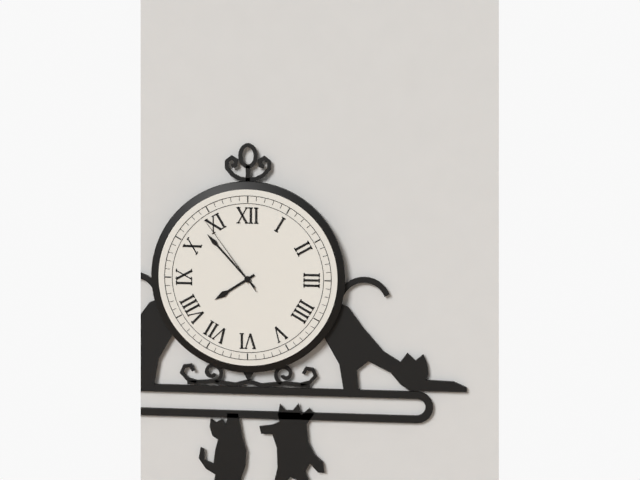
7:53:54
